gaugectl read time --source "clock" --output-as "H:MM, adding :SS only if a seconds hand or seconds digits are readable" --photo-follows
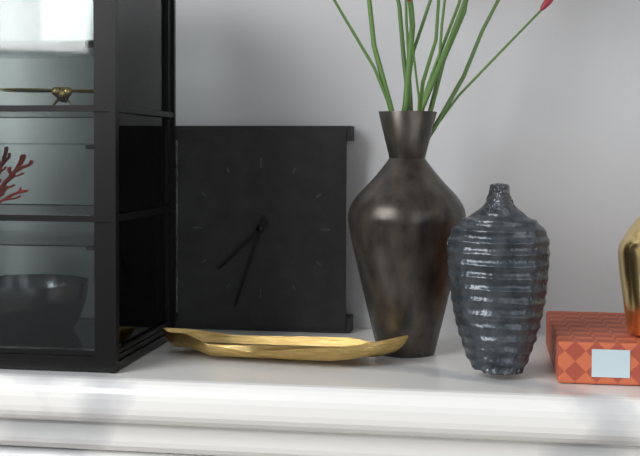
7:33
